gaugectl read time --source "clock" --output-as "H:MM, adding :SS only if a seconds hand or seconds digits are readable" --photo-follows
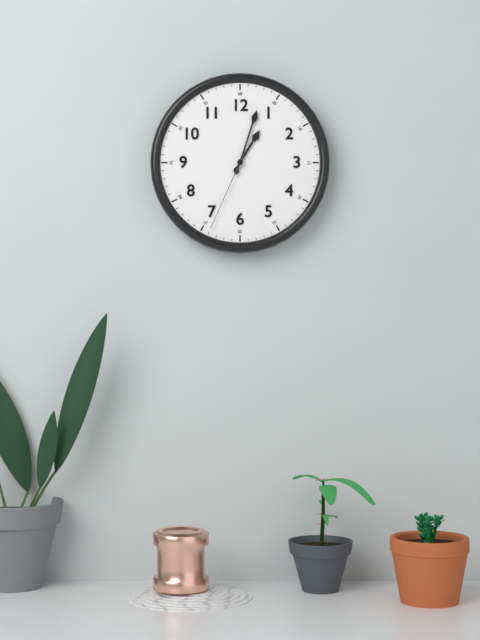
1:03:34
